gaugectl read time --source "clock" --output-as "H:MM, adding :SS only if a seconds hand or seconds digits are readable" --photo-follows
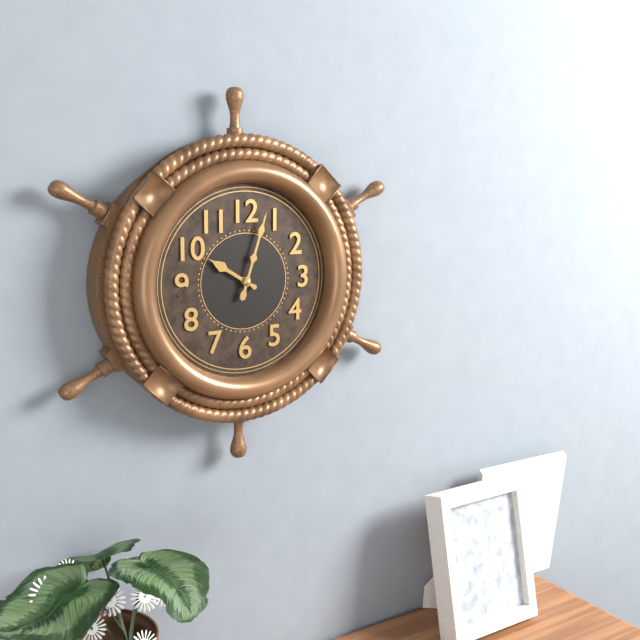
10:03
